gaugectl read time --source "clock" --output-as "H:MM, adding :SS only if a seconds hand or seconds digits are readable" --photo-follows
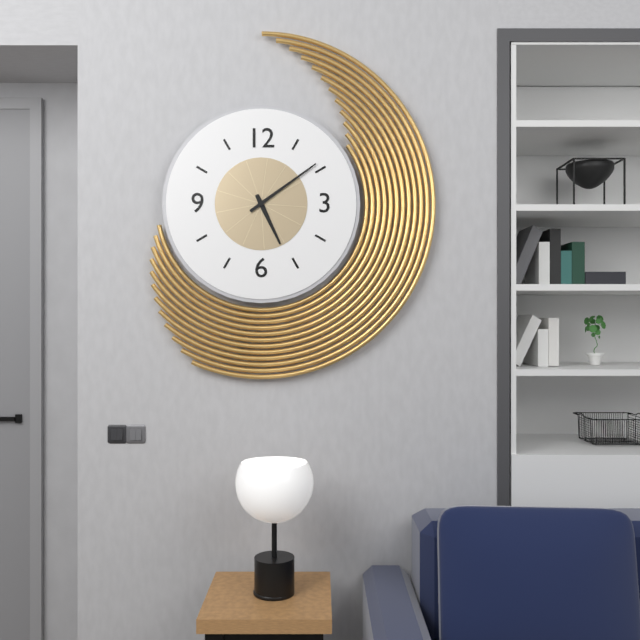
5:09
